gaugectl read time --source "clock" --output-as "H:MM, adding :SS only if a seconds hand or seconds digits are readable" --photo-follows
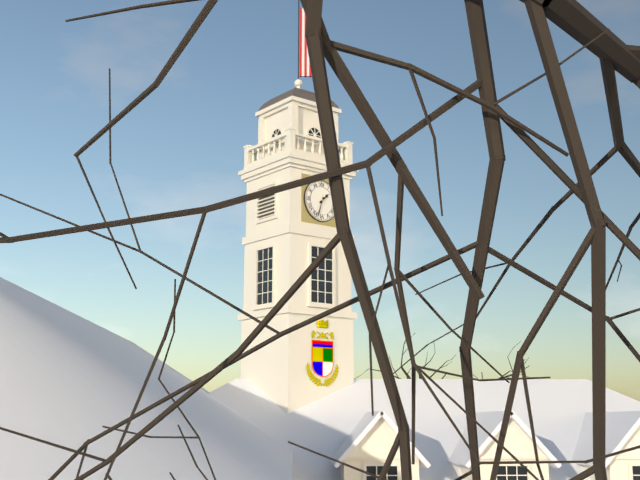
1:33
